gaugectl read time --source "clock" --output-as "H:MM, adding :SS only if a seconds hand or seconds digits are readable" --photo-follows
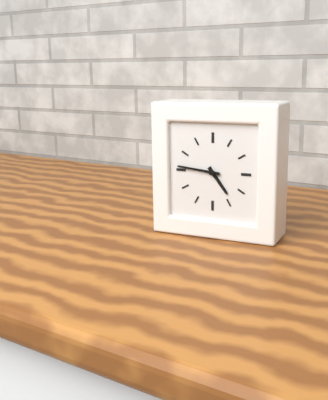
4:46
